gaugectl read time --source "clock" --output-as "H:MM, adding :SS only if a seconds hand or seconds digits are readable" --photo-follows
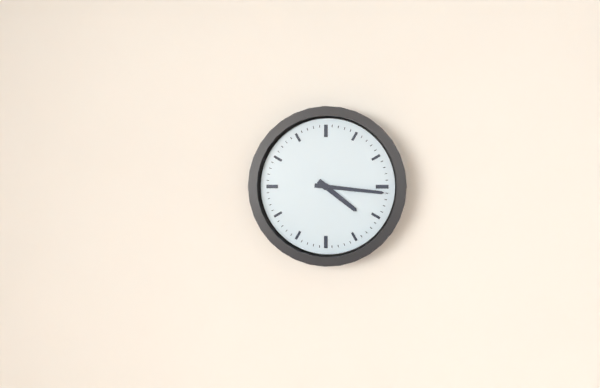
4:16
